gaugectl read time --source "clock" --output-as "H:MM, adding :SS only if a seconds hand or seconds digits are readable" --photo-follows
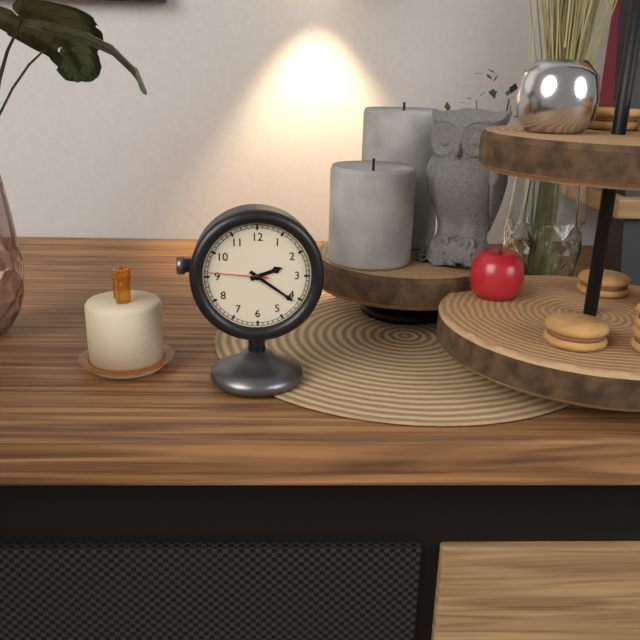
2:21:46
